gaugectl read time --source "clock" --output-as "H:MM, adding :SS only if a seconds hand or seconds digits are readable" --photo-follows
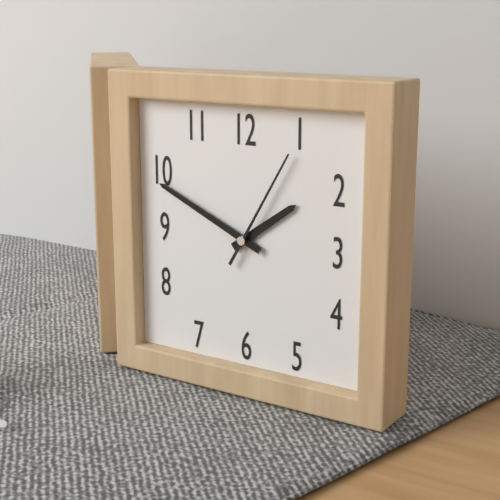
1:49:05
